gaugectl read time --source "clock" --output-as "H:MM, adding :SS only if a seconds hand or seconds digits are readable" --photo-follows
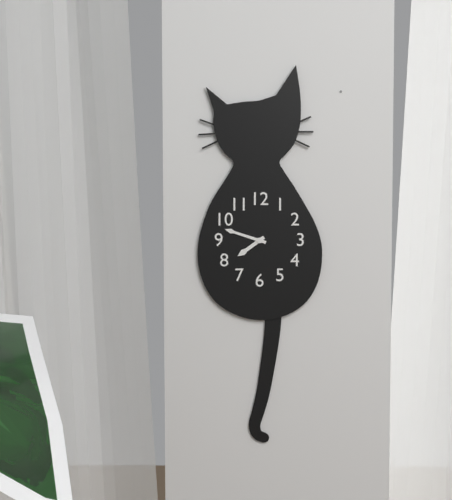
7:48
